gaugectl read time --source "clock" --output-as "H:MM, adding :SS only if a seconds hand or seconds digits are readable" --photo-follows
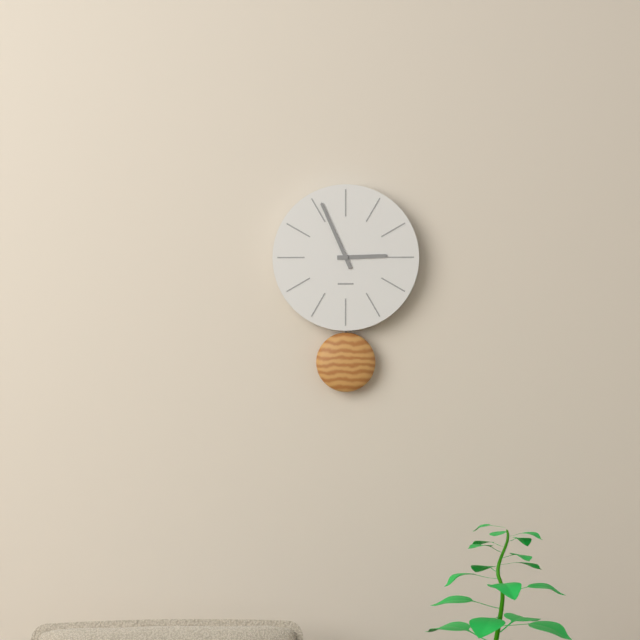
2:56
